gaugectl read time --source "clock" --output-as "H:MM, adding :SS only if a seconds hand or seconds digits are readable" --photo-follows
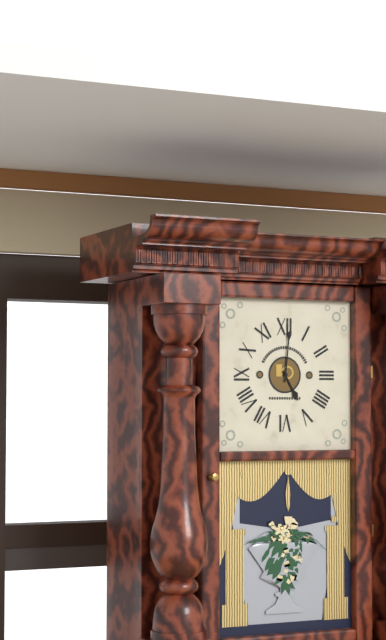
5:01
